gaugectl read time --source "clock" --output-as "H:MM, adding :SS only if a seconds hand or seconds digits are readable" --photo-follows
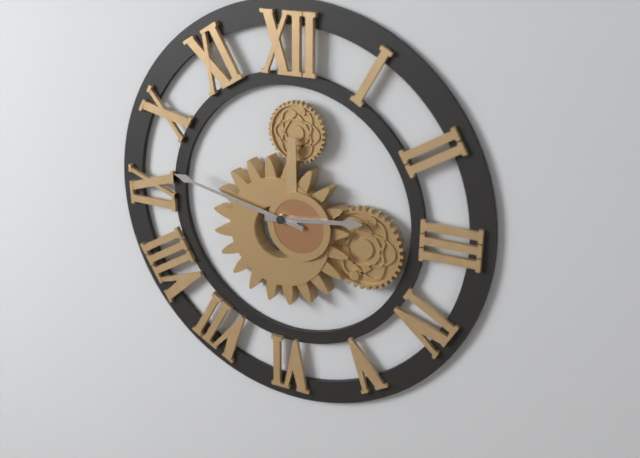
2:47
